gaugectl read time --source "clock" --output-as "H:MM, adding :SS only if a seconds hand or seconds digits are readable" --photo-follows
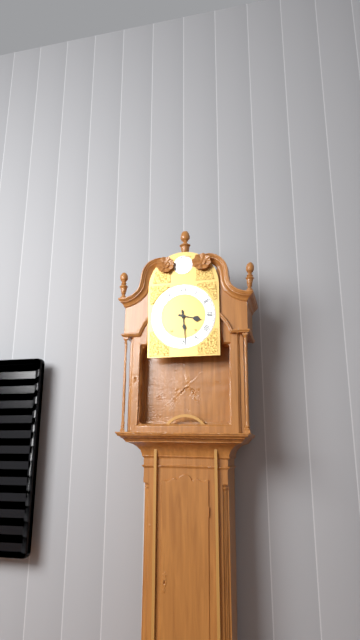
3:29
